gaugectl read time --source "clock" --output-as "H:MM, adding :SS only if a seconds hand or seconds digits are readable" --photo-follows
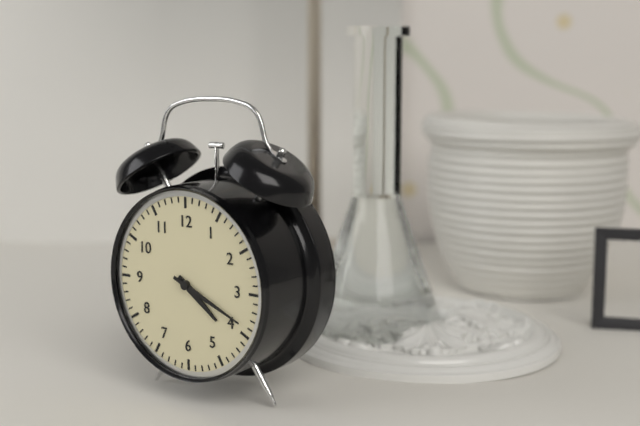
4:19
